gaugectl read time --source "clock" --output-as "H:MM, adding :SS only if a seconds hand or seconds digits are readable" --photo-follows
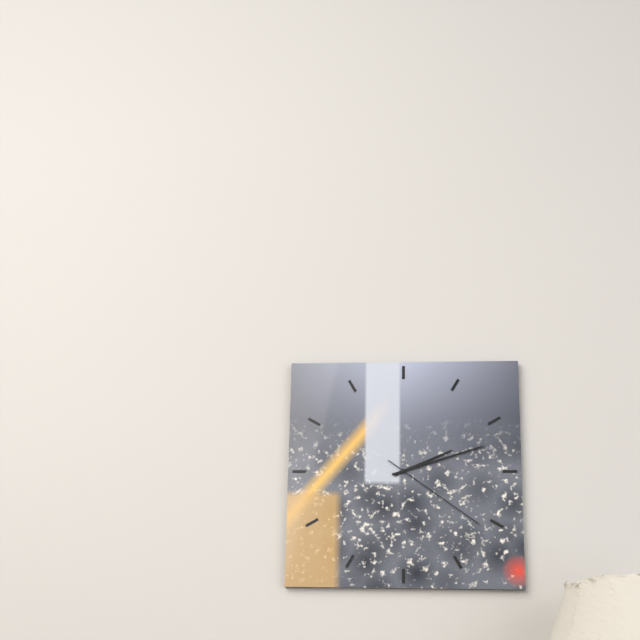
2:12:21
